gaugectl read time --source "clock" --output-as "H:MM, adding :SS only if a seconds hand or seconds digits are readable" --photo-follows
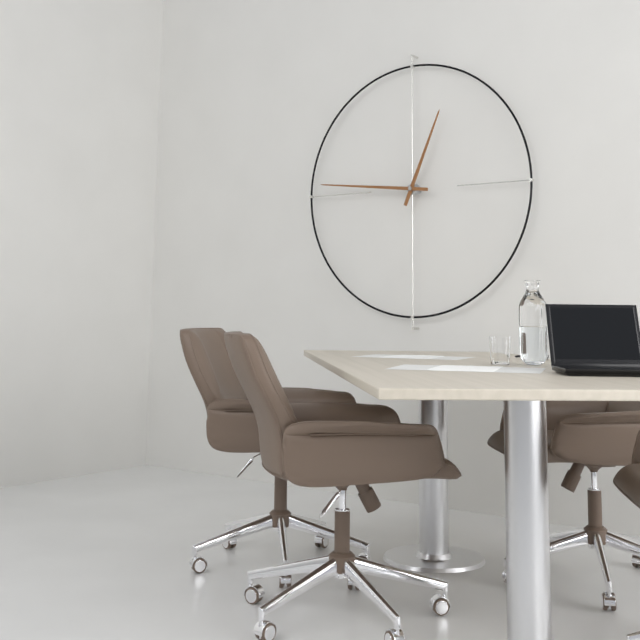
12:46
